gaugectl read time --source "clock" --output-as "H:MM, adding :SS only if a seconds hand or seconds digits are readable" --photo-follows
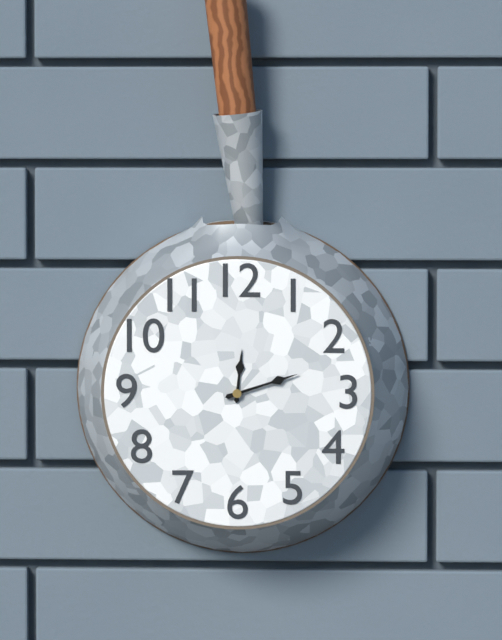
12:12
